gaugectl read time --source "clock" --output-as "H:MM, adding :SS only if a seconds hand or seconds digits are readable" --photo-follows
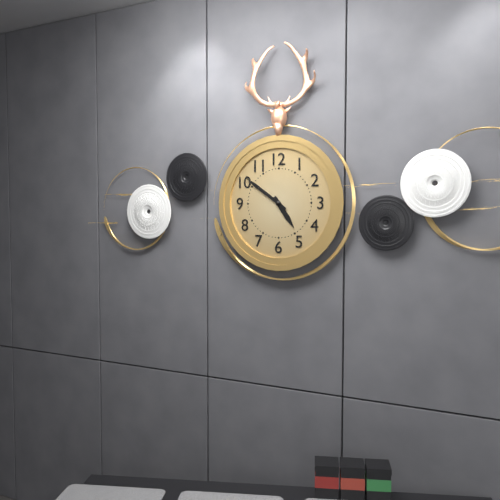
4:51
